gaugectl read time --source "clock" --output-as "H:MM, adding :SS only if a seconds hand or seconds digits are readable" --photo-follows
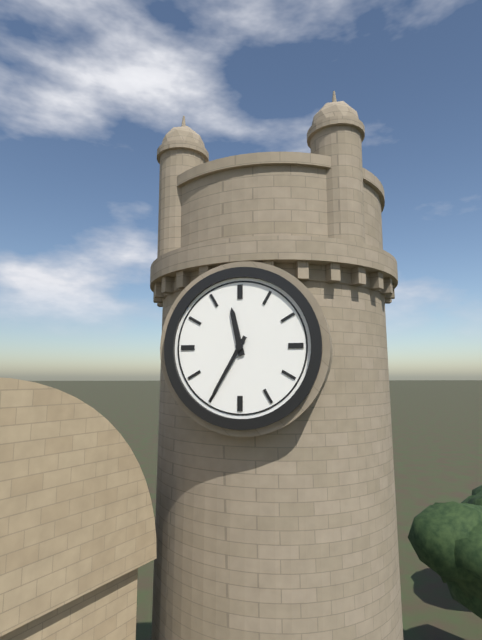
11:35
